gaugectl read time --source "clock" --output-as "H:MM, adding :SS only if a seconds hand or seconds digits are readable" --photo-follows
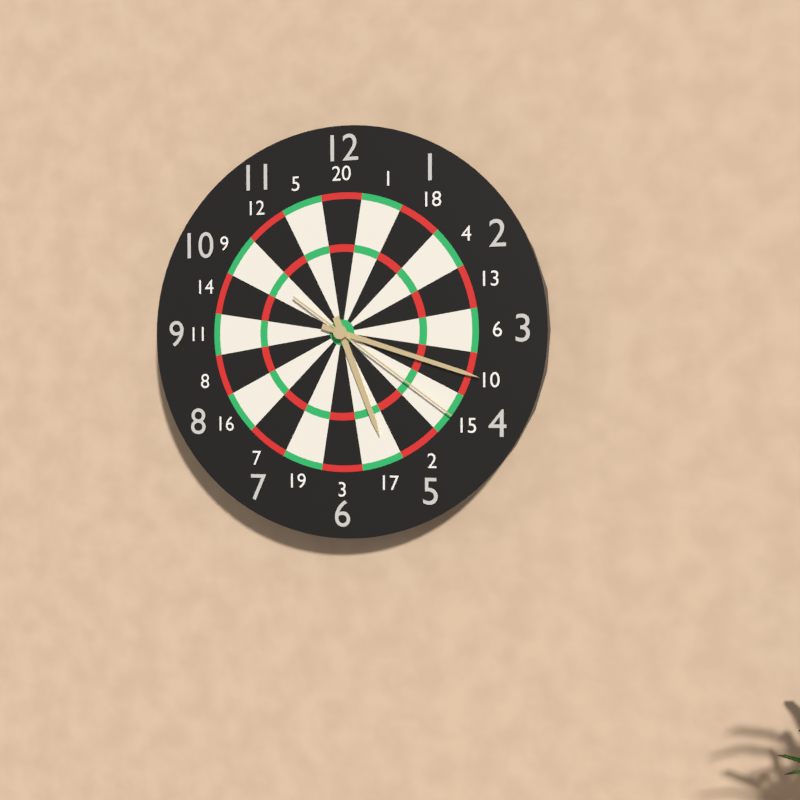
5:18:21
